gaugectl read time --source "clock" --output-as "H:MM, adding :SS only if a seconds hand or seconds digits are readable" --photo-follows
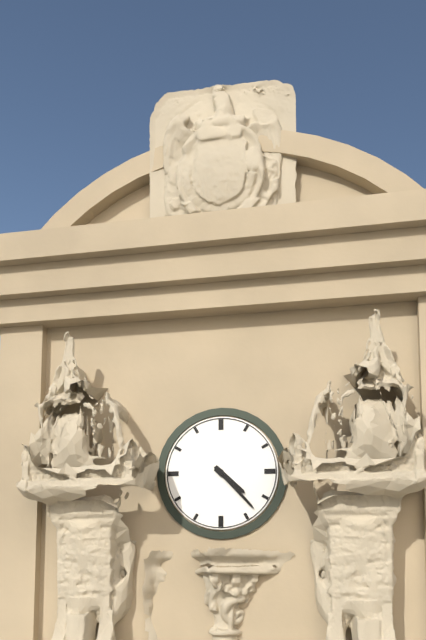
4:23
